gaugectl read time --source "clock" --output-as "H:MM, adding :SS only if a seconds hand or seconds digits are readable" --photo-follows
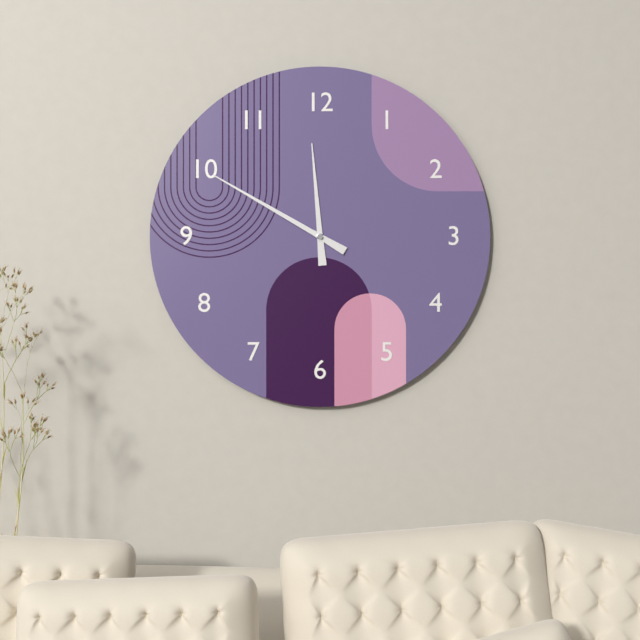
11:50
